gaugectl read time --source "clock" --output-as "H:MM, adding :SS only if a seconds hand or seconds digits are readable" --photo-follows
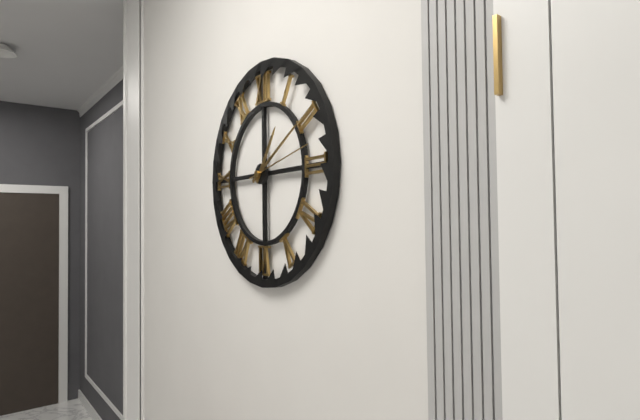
1:10:13
